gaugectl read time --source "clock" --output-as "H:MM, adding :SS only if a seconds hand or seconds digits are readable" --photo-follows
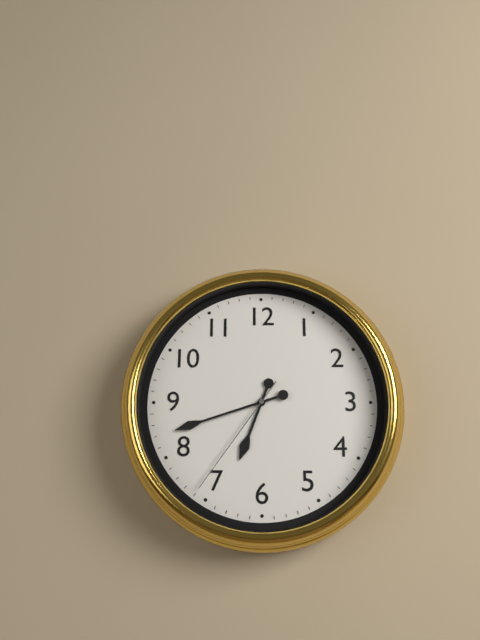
6:42:36
